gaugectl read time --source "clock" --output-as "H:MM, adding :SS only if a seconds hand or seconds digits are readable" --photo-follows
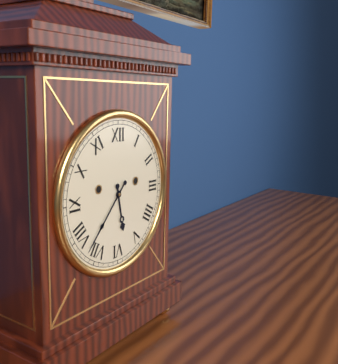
5:37
